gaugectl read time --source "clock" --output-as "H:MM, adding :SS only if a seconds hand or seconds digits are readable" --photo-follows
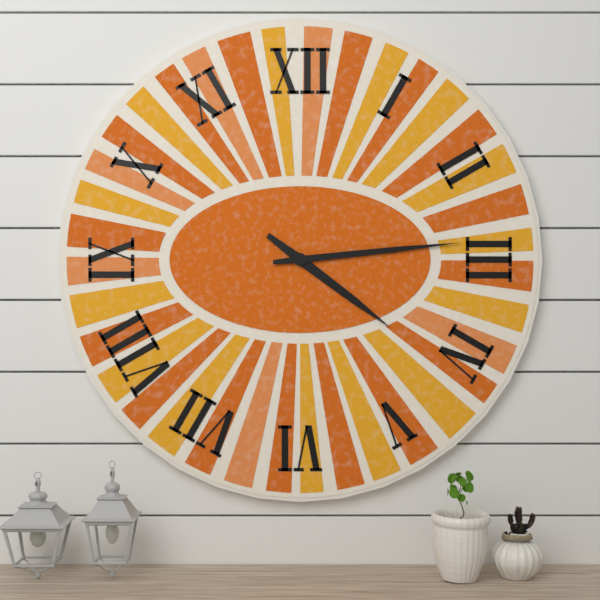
4:14
